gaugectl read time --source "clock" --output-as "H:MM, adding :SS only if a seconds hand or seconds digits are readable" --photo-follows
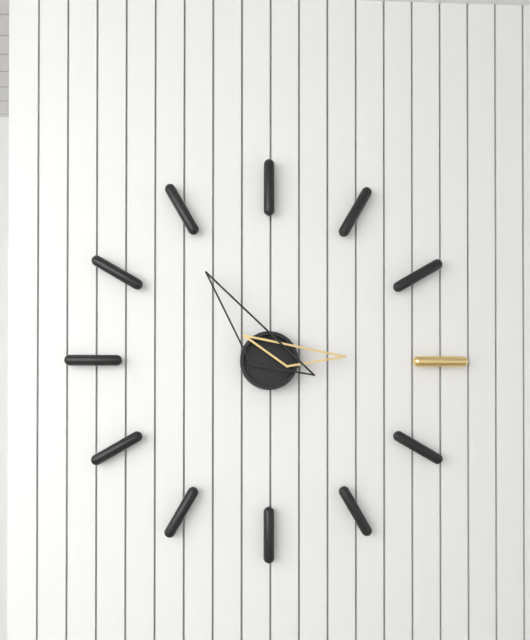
2:54
